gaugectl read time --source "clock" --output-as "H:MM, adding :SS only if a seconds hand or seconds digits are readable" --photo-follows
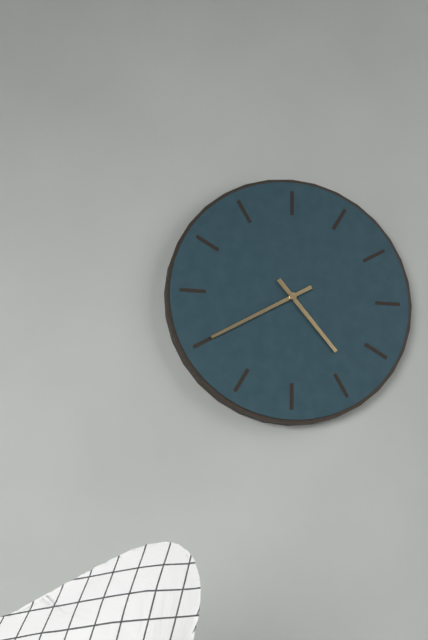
4:40
